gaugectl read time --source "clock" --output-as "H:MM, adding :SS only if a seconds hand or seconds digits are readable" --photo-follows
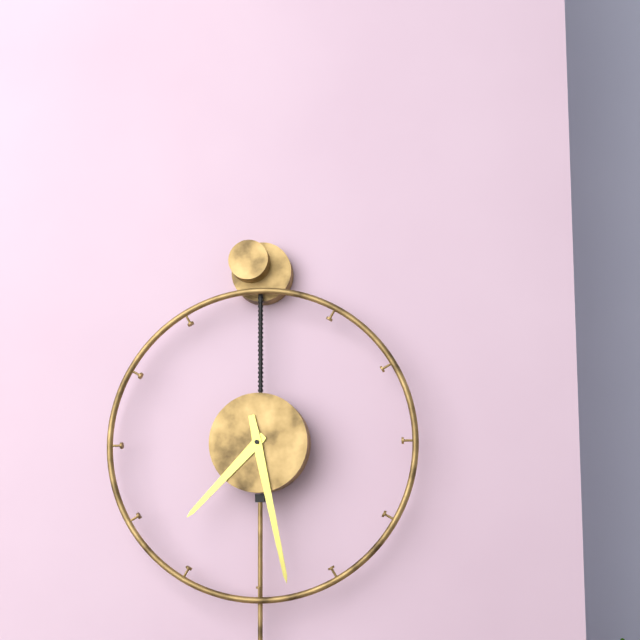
7:28
